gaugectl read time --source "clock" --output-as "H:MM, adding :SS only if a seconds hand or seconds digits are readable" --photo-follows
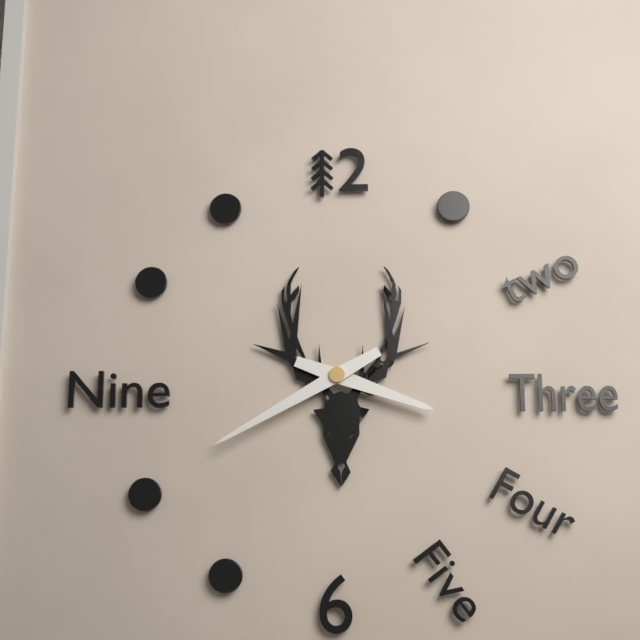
3:40
